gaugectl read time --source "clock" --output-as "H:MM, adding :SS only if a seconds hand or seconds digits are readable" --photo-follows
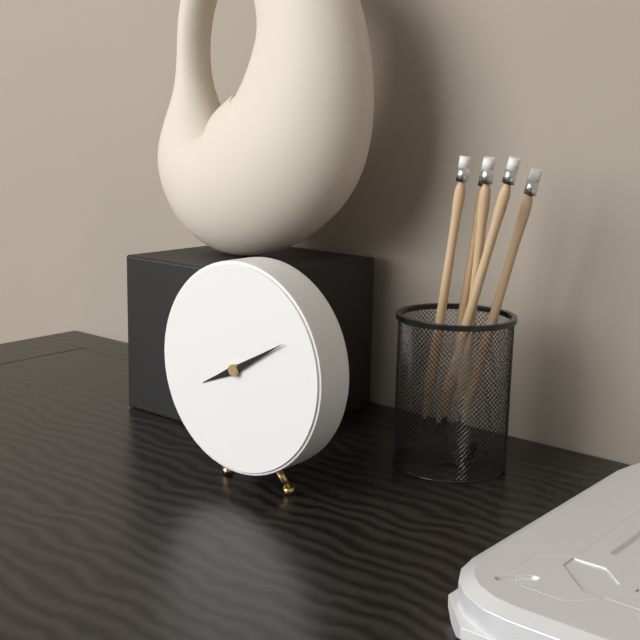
8:10
